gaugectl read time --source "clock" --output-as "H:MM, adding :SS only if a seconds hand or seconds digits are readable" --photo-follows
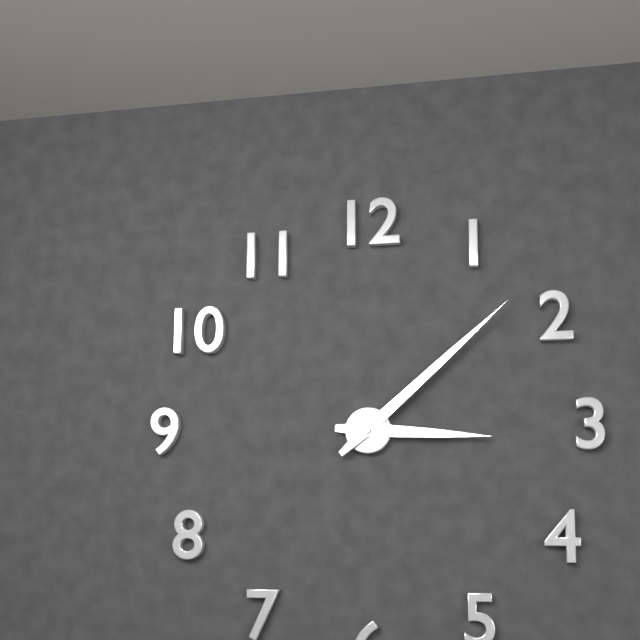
3:08
